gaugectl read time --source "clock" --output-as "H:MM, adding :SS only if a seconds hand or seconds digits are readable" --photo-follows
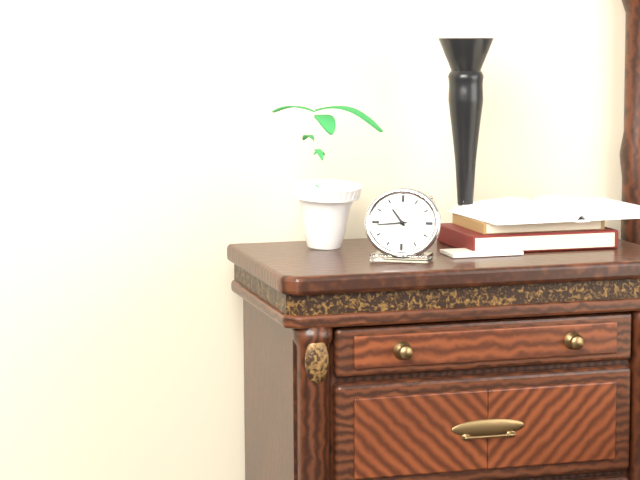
10:44
